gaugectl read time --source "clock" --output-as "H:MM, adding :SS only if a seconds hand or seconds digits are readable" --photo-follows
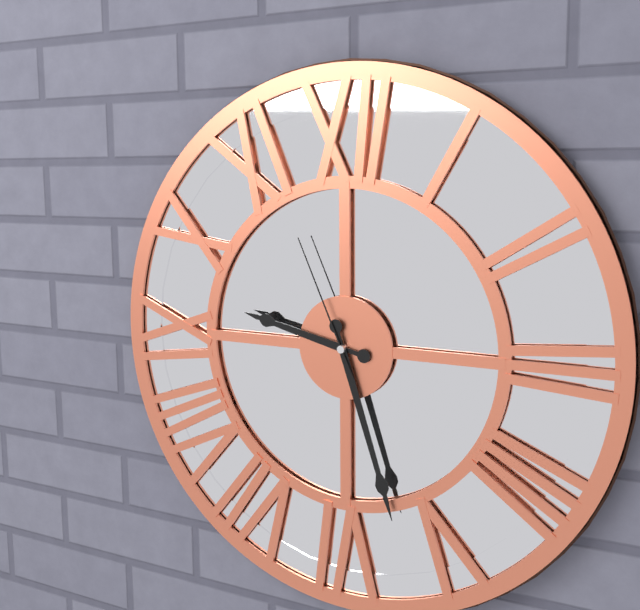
9:27:56
